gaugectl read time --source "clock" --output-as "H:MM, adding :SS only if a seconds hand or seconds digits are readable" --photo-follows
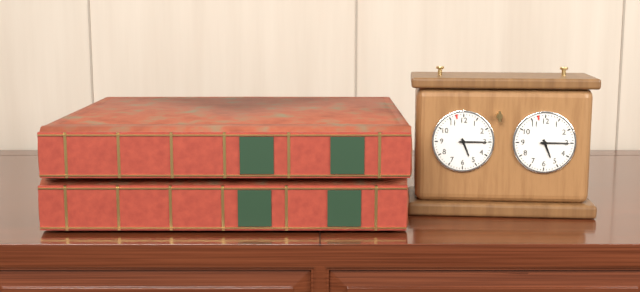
5:15
